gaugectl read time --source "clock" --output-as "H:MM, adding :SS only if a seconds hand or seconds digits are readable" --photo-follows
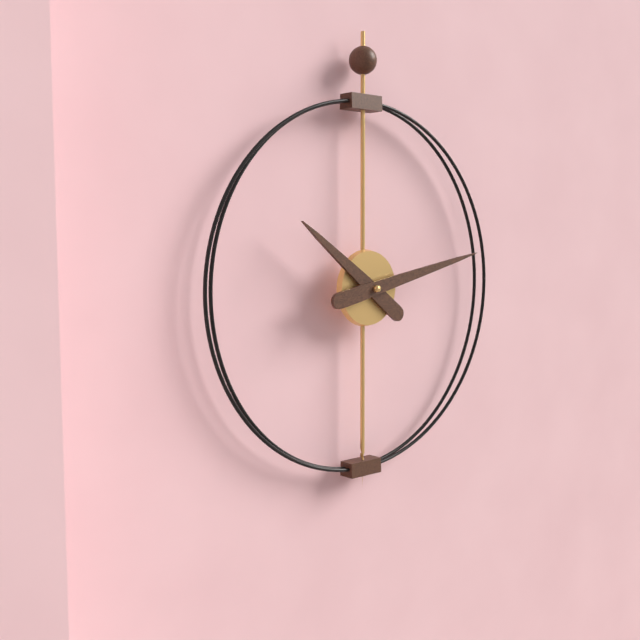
10:13
